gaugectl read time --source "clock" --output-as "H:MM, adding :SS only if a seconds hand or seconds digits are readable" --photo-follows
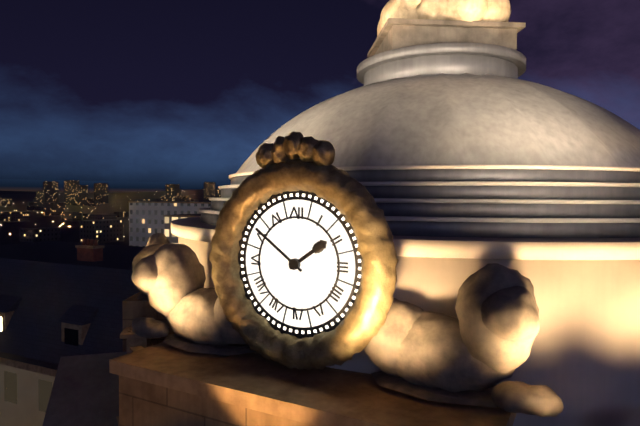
1:51
